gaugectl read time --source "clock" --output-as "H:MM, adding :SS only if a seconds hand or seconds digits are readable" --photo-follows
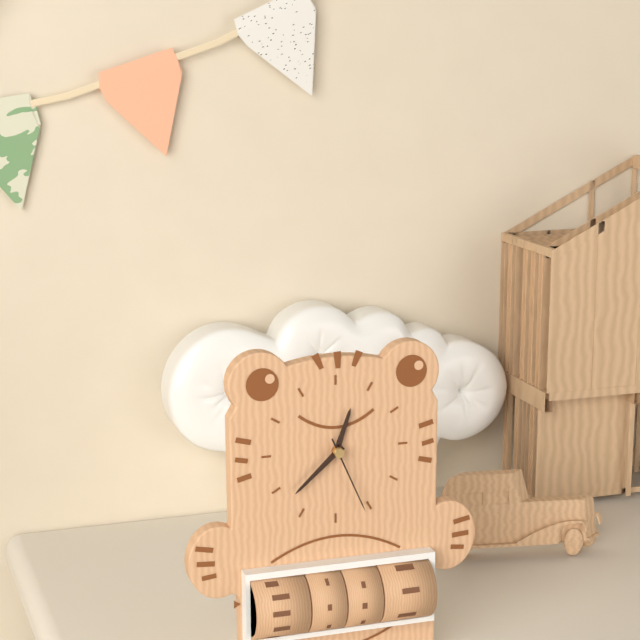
12:38:26
